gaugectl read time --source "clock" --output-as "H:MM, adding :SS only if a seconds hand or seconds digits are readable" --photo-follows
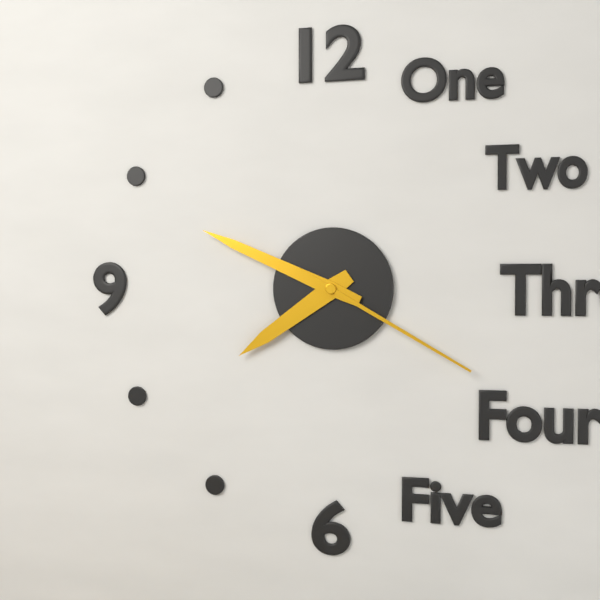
7:49:20
